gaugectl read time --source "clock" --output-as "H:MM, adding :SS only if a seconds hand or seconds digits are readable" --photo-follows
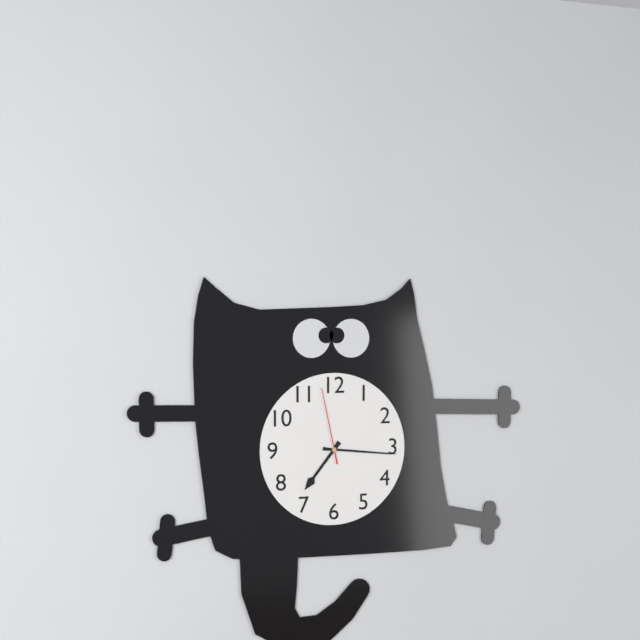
7:16:58
